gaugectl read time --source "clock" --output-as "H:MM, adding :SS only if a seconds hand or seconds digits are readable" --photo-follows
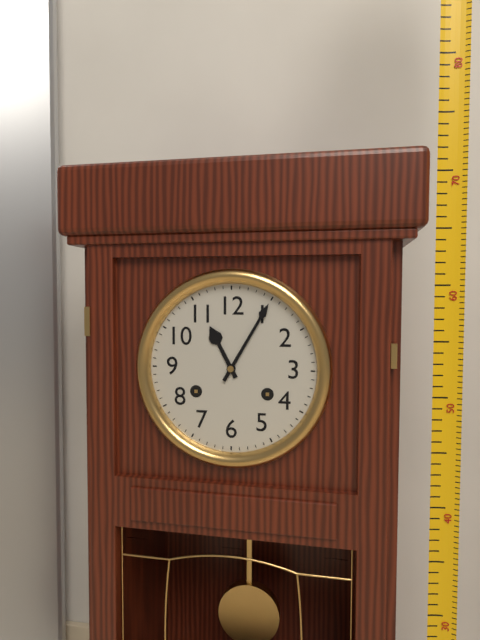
11:05
